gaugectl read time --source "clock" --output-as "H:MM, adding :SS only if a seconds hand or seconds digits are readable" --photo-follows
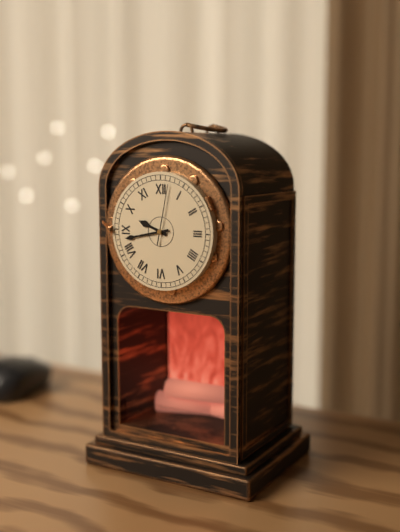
9:43:02
